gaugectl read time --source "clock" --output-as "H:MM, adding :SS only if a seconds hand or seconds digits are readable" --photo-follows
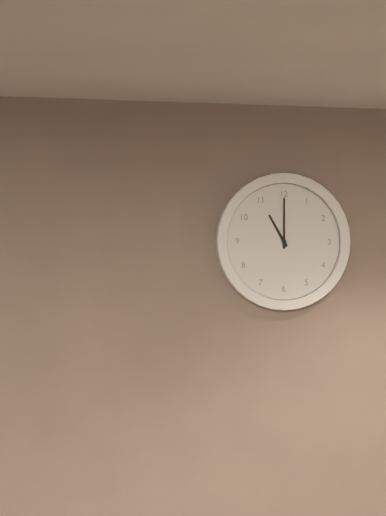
11:00
